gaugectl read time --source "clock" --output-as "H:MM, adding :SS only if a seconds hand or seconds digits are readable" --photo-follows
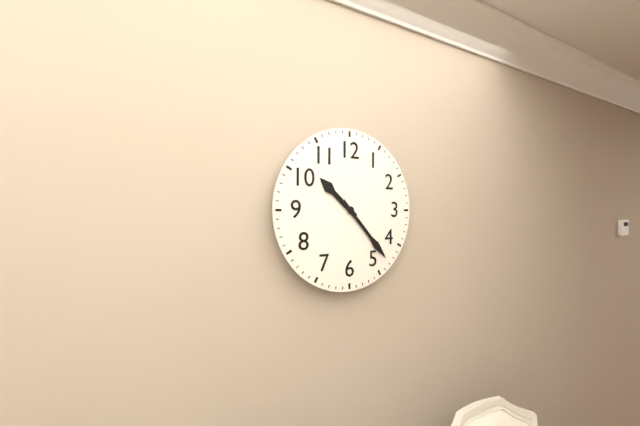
10:23
